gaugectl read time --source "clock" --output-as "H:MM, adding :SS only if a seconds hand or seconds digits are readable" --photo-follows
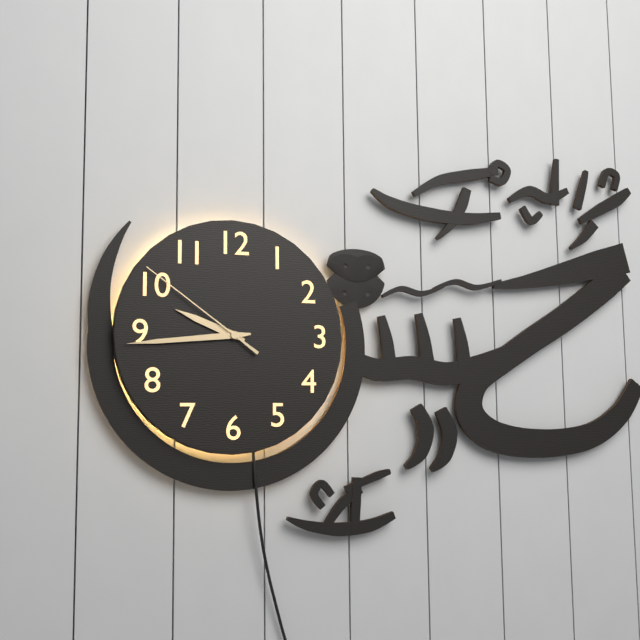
9:44:51
